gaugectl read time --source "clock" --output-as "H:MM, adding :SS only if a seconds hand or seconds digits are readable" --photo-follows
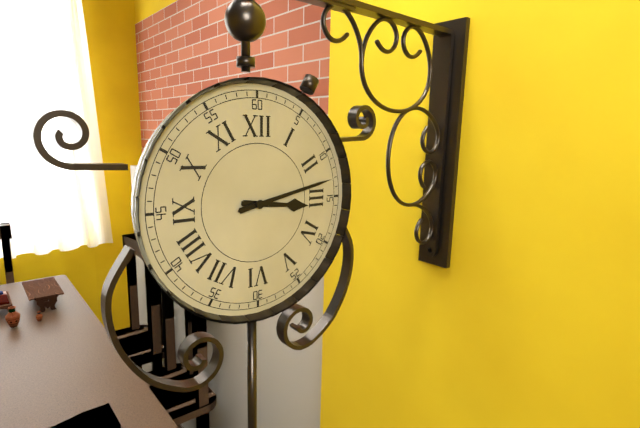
3:13
